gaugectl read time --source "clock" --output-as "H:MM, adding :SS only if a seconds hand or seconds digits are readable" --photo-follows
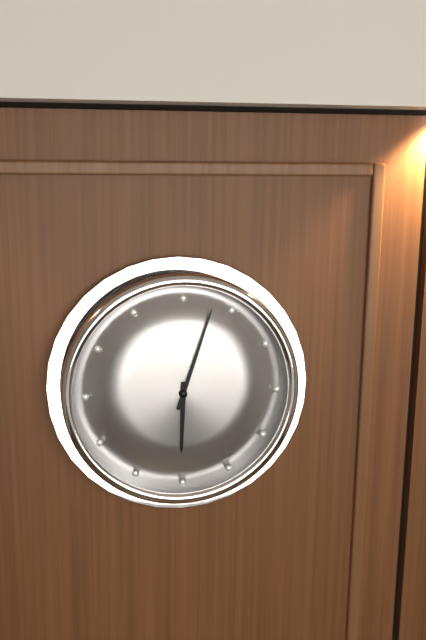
6:03
